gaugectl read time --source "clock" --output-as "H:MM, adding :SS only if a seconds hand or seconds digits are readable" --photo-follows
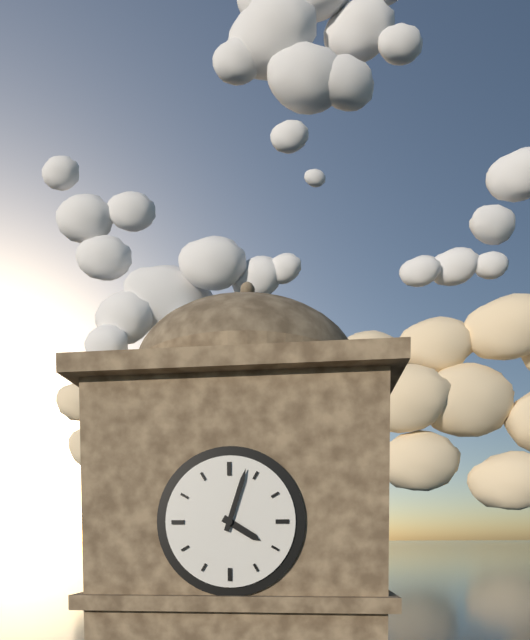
4:03
